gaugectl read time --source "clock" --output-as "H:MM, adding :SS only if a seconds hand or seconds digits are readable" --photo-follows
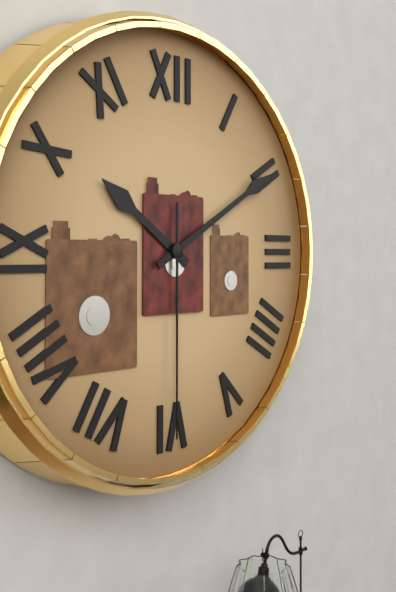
10:10:30
